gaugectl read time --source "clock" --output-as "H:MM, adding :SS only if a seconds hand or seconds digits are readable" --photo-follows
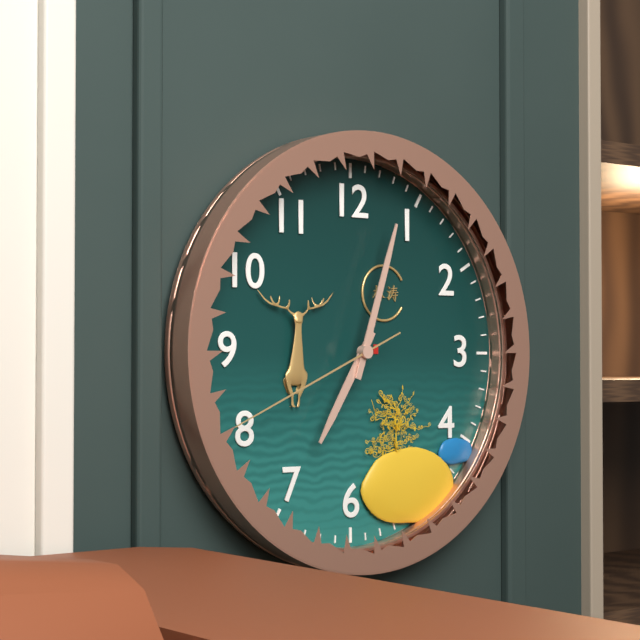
7:03:41
